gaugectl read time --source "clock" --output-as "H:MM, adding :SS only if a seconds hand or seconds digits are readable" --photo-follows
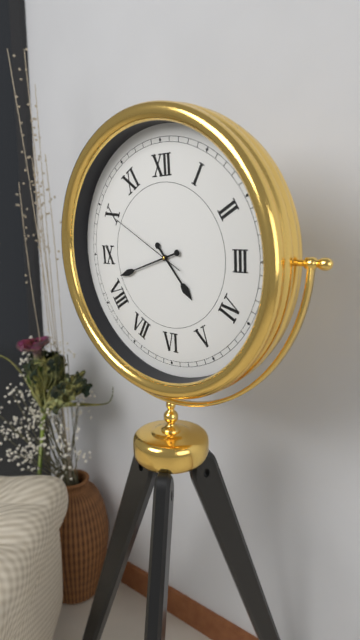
4:42:50
